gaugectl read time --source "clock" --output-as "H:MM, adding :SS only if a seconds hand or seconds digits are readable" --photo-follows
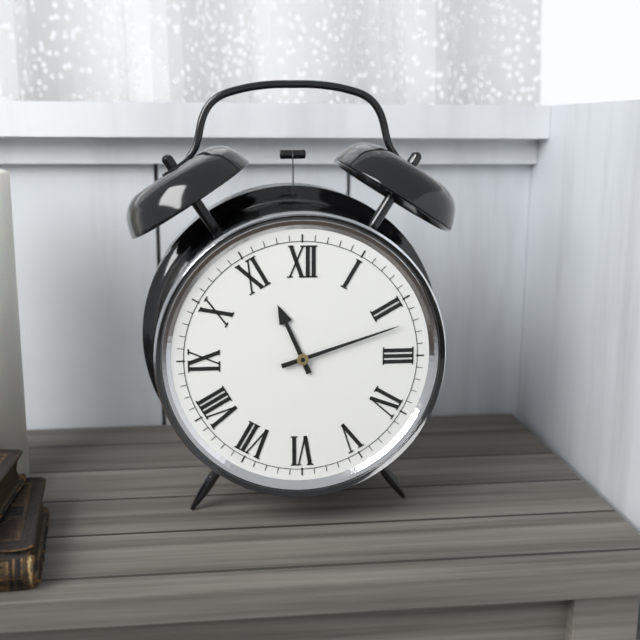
11:12
